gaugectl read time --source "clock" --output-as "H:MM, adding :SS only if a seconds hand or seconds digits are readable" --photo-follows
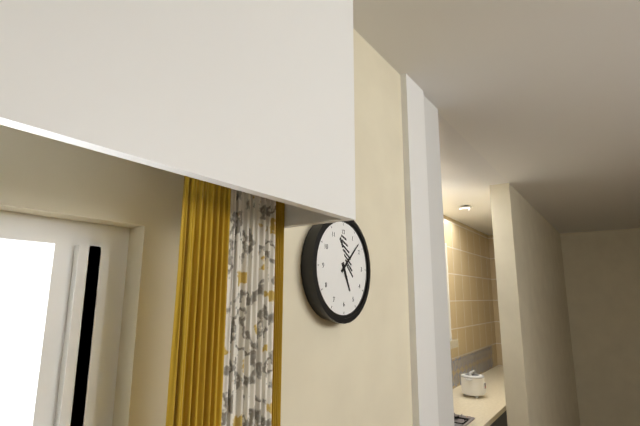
5:08
